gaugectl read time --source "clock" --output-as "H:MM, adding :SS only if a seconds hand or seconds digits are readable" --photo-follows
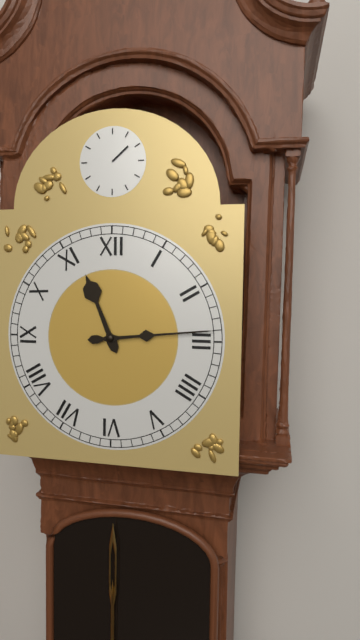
11:14
